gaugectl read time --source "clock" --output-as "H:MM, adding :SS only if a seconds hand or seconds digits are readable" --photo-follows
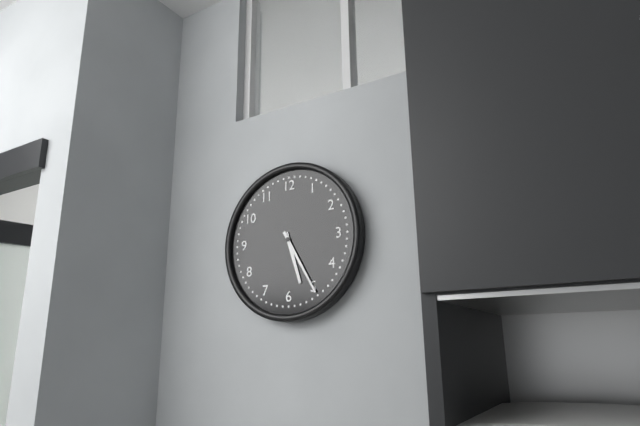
5:25
